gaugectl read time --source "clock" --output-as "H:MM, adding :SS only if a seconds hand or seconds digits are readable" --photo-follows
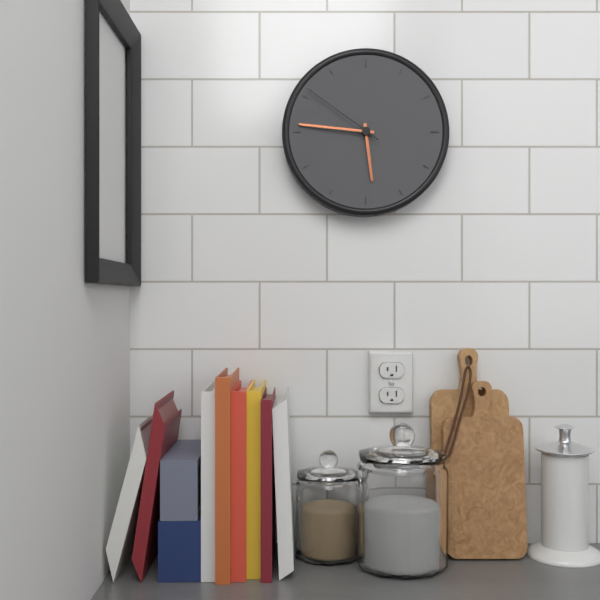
5:46:51
